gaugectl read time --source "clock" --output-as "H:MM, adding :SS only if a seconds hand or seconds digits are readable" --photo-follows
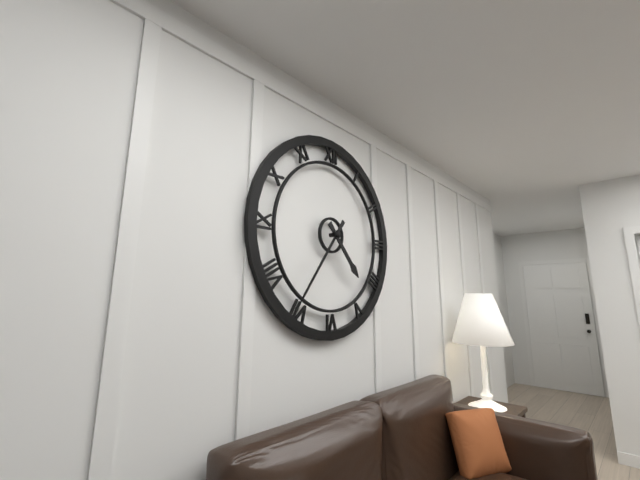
4:36
